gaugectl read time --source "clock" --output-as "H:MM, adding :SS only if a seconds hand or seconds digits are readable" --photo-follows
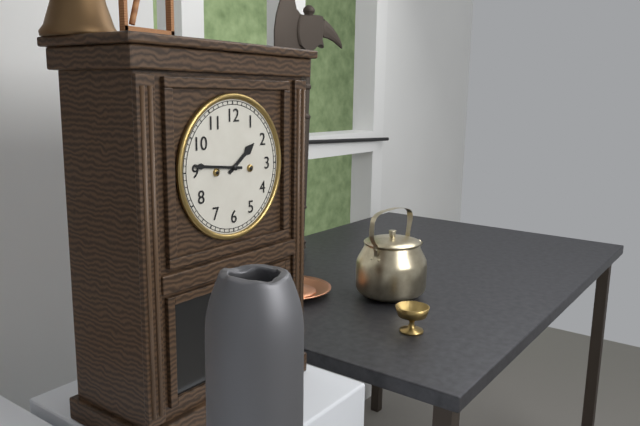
1:46
